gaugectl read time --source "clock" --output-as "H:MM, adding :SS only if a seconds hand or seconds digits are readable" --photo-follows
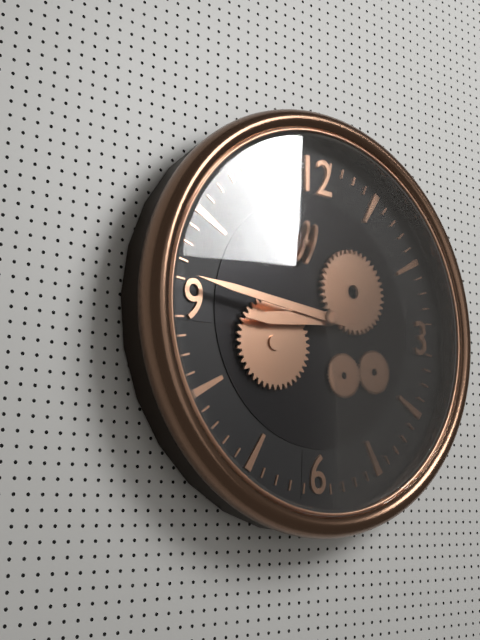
8:46
